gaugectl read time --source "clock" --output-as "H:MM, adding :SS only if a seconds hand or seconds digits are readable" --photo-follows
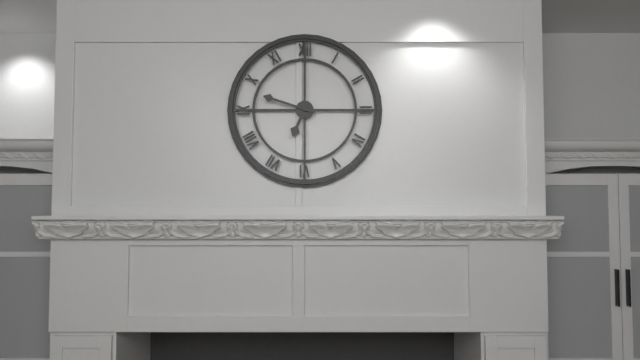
6:48
